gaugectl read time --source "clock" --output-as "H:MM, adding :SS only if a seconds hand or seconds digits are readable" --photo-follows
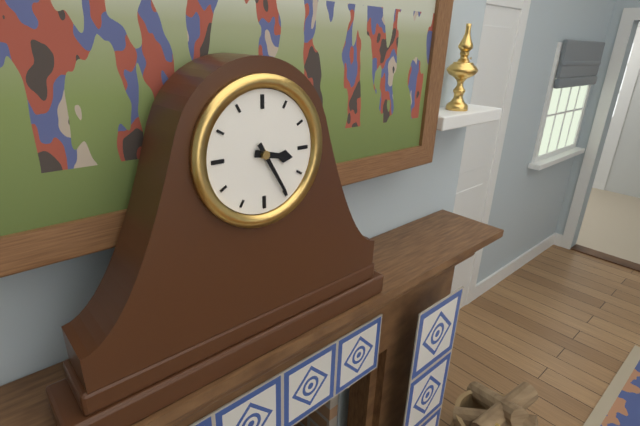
3:25
